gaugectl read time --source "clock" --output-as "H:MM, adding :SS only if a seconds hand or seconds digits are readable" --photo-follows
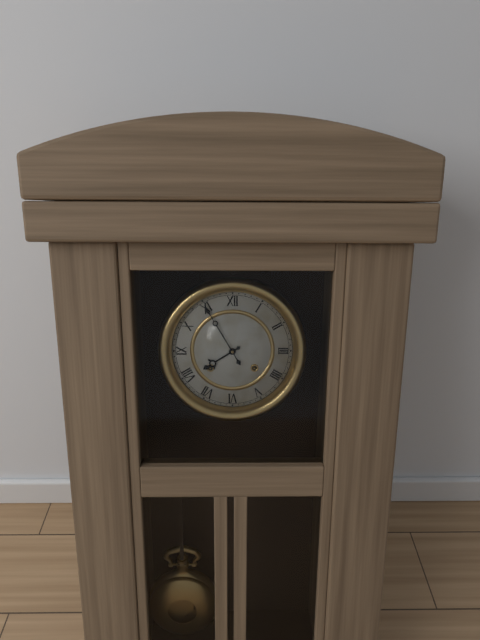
7:55
